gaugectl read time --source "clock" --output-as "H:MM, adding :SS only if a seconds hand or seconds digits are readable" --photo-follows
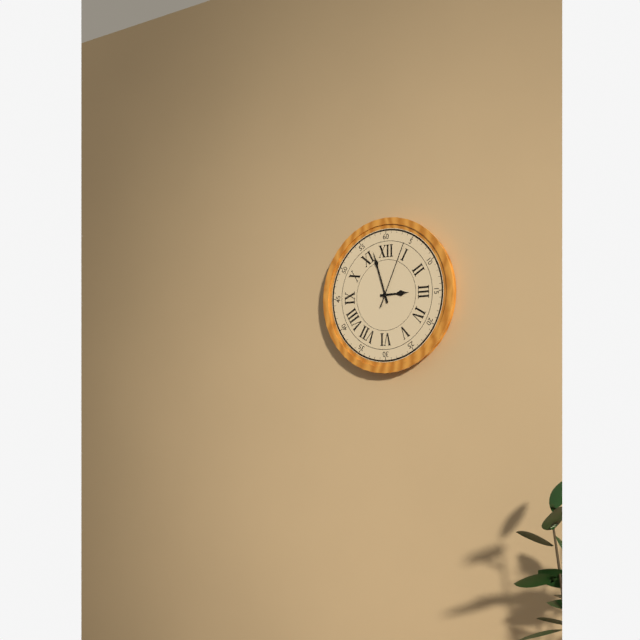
2:57:04
